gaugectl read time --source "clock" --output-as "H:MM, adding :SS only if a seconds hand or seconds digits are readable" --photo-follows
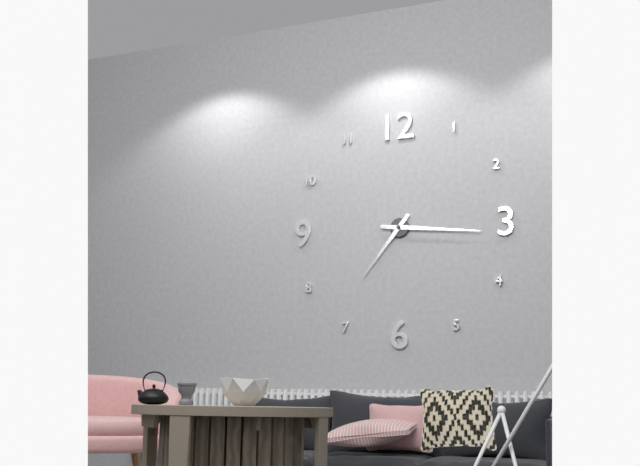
7:16
